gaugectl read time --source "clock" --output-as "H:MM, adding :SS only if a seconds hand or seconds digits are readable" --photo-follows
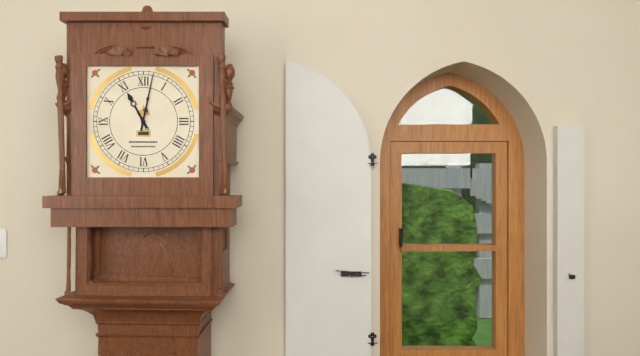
11:02
